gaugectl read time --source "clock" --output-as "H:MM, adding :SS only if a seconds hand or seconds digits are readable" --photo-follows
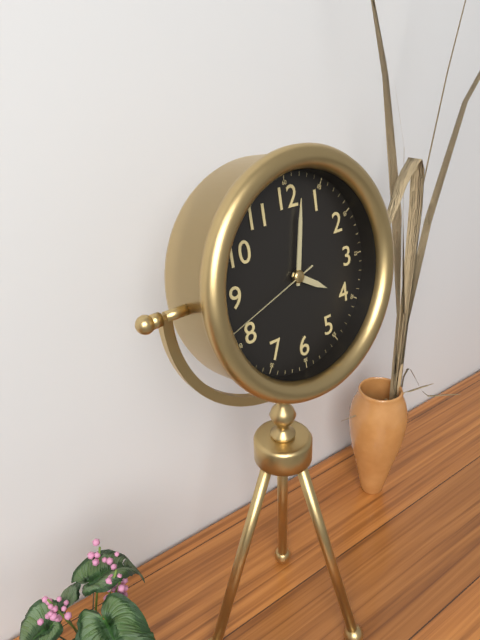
4:02:42
